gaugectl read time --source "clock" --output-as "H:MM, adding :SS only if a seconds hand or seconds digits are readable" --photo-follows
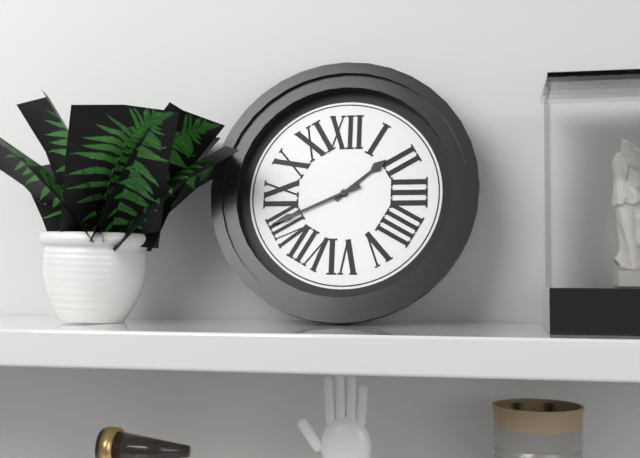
1:41
